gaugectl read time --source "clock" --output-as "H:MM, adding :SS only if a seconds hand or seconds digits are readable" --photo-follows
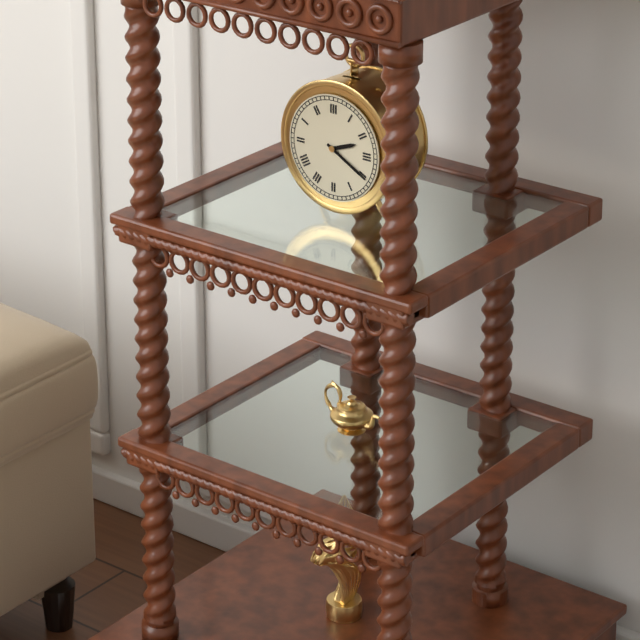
2:20
